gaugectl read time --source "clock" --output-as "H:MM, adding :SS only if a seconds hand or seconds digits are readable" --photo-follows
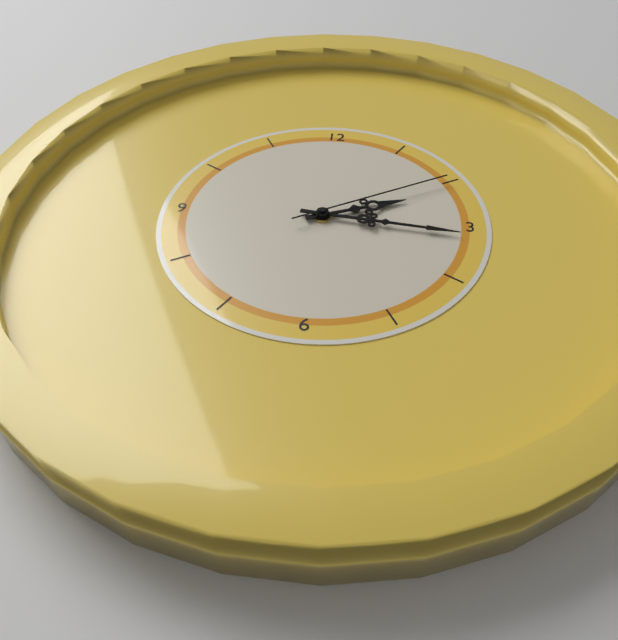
2:16:10
